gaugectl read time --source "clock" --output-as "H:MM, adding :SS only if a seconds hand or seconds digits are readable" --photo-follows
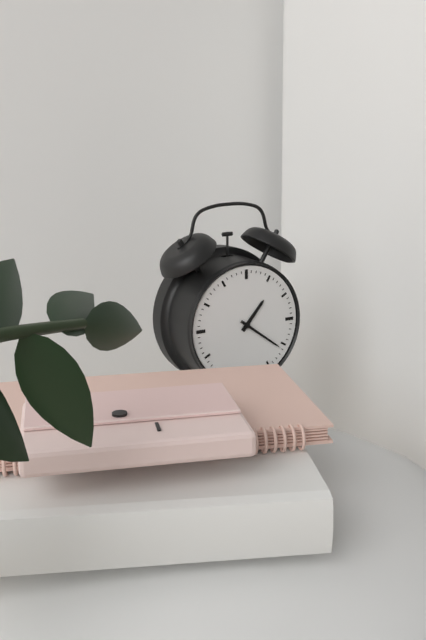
1:21
